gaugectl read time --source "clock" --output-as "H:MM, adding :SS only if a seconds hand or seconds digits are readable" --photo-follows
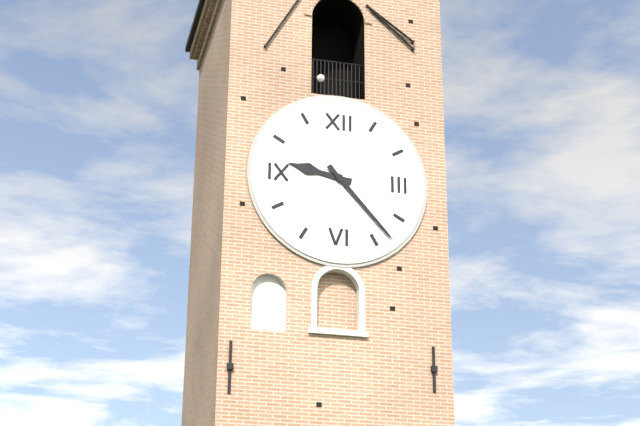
9:23
